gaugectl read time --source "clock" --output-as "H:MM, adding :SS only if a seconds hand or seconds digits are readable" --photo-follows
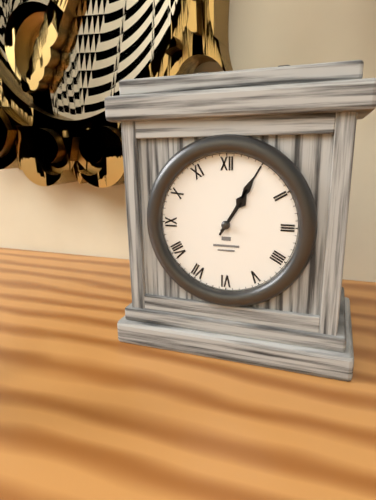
1:05
